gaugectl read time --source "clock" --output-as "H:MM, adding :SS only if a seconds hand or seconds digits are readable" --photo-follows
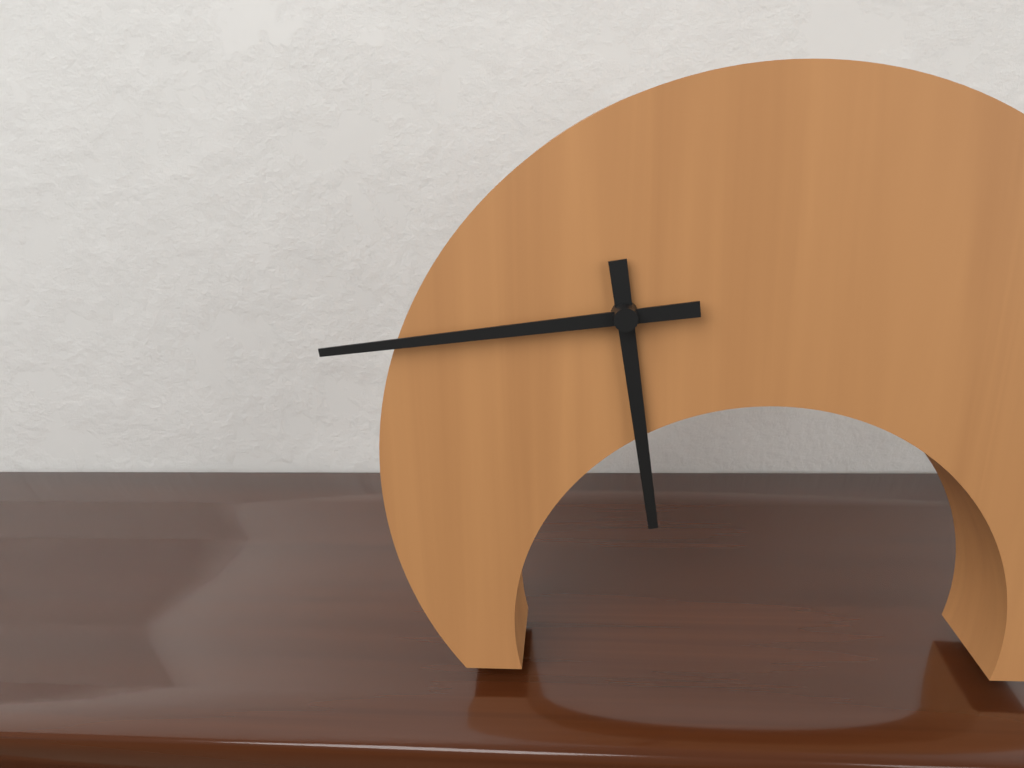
5:44
